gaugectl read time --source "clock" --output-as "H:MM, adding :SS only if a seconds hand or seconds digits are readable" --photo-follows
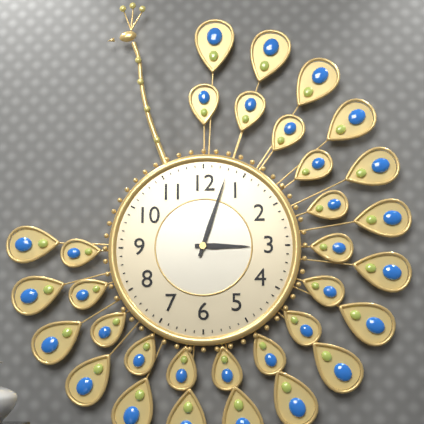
3:03
